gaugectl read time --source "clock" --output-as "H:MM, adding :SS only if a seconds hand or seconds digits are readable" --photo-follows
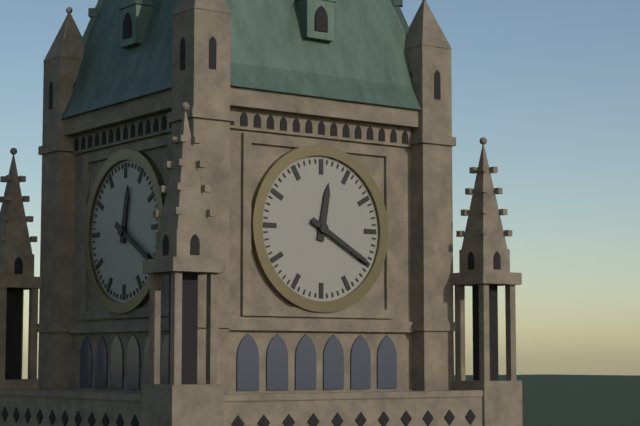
12:20
